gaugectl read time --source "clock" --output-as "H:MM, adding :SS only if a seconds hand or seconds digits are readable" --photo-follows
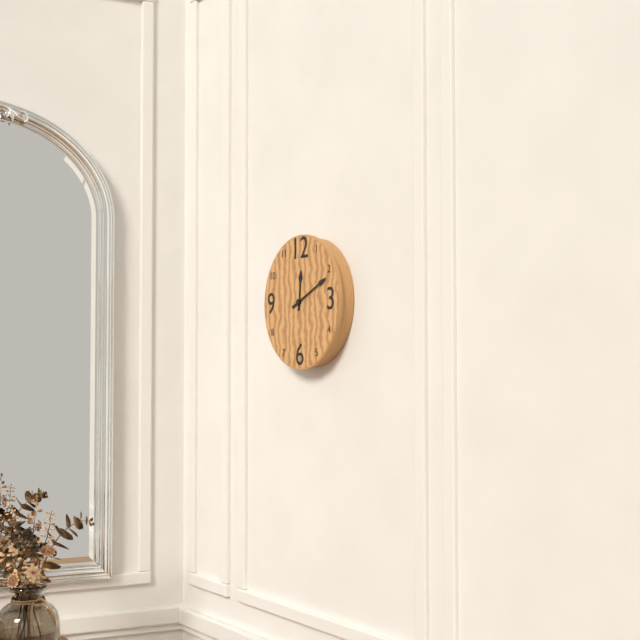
12:11
